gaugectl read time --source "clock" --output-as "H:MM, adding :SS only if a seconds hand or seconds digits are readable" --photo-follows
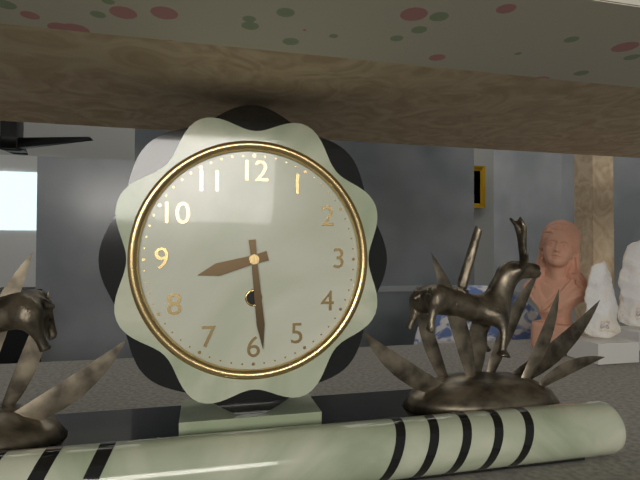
8:29
